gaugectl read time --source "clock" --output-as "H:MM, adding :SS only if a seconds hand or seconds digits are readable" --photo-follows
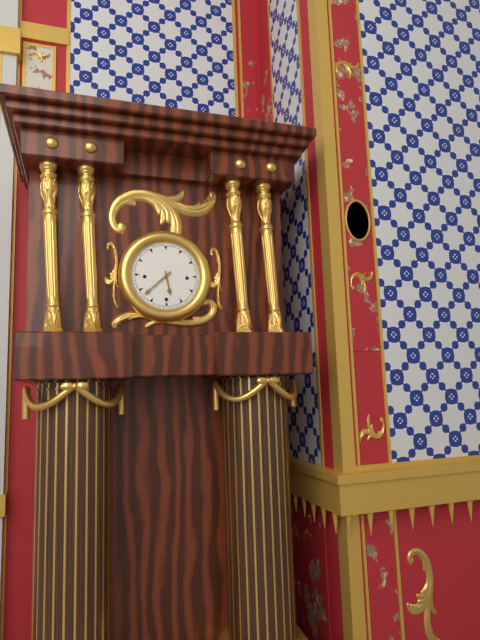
5:38
